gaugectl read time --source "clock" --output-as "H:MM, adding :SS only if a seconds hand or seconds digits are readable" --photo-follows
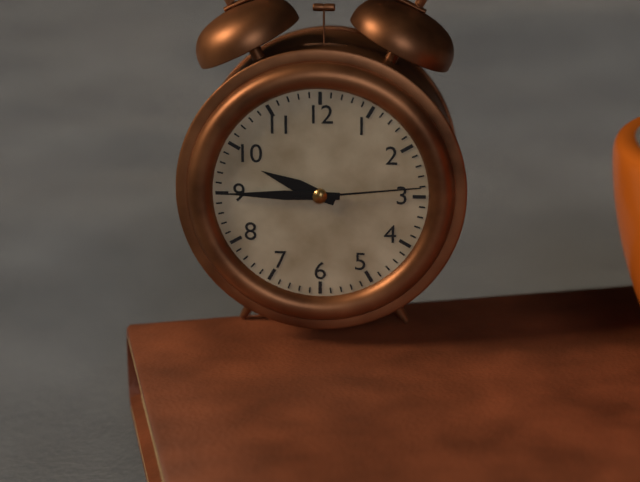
9:45:14
